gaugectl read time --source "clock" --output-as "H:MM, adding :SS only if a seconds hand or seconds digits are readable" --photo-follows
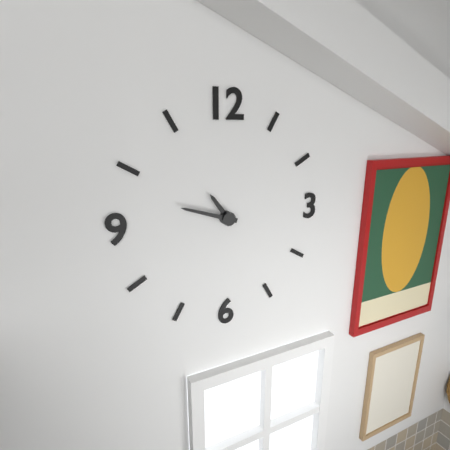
10:48
